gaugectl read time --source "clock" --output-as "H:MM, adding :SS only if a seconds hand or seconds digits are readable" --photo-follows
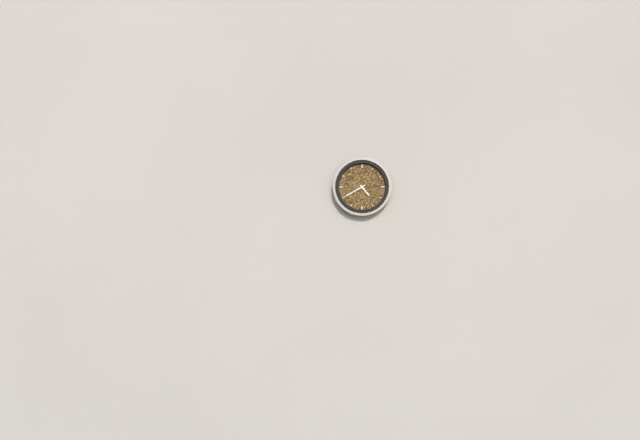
4:40
